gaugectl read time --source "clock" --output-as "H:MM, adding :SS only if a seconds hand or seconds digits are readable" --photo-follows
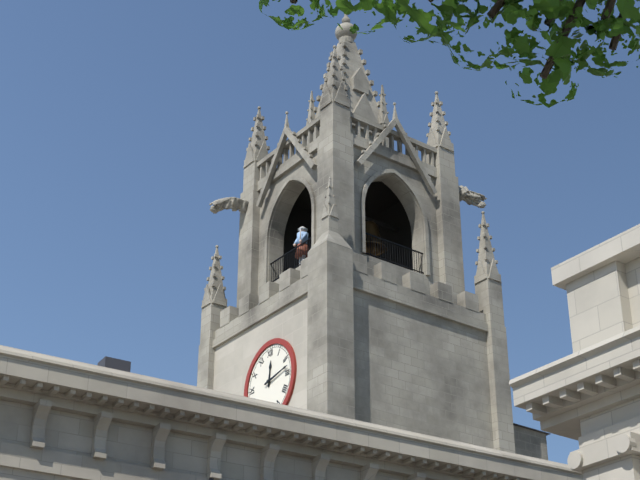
12:13
